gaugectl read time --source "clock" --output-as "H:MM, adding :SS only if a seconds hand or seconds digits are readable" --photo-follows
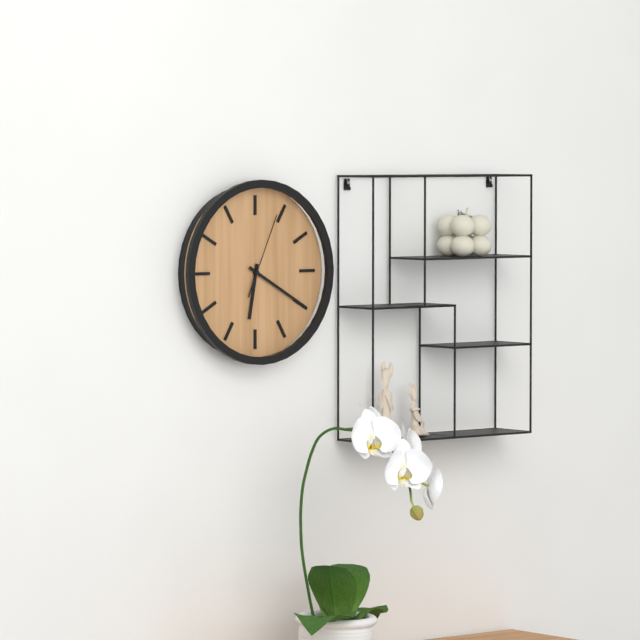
6:20:04
